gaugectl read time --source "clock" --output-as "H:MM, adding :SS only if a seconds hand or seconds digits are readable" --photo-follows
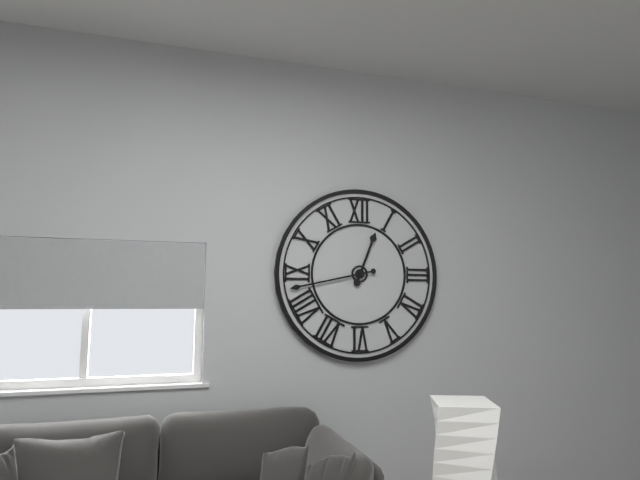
12:43
